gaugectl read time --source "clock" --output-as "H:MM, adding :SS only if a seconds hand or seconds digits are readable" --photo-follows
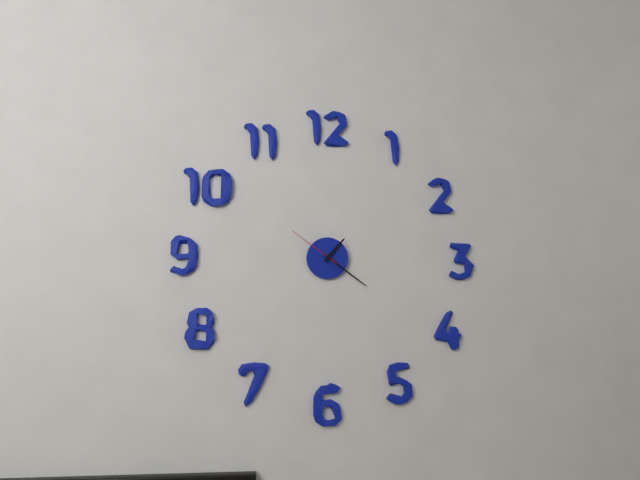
1:21:51
